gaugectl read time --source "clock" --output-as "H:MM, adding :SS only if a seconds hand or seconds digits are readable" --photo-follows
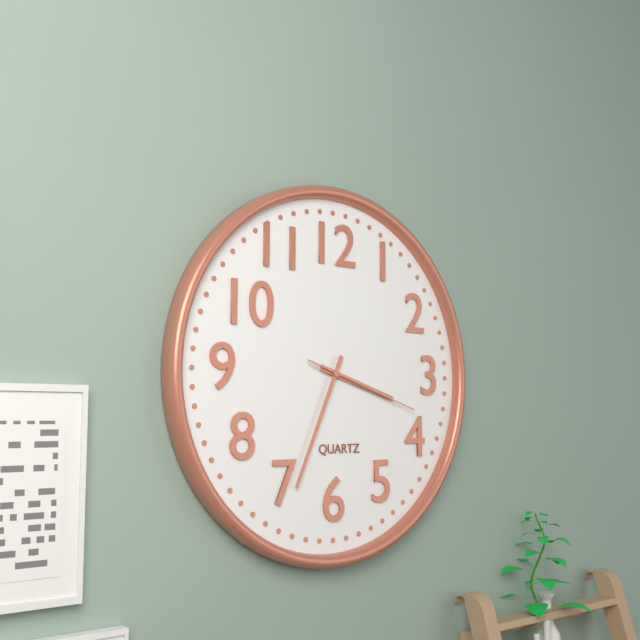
3:34:18
